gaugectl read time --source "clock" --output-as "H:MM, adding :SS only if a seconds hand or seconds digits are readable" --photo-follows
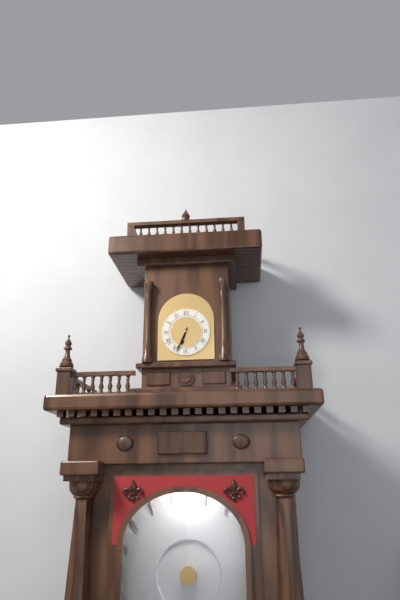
6:34
